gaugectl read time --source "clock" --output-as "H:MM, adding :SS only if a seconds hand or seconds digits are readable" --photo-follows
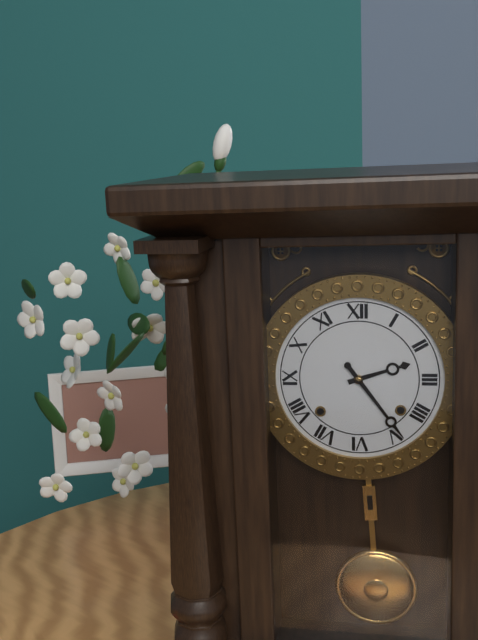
2:24
